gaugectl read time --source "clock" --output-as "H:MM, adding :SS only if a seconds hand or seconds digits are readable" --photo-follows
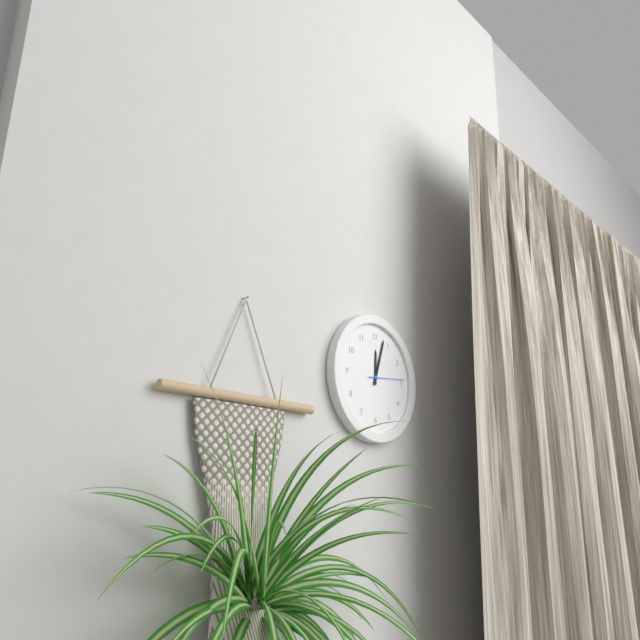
12:03
